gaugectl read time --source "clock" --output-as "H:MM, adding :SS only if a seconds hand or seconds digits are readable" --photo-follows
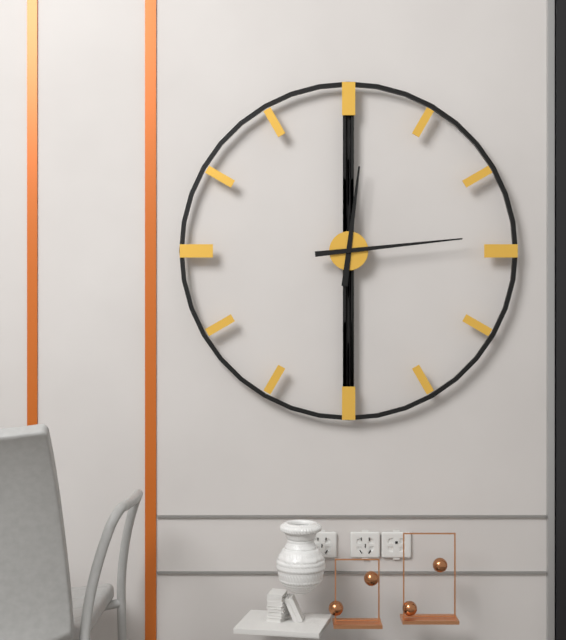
12:14
